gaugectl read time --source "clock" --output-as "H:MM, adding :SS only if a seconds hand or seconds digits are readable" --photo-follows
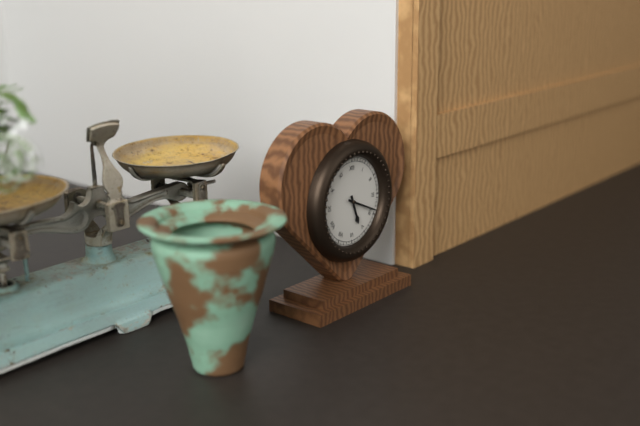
5:19
